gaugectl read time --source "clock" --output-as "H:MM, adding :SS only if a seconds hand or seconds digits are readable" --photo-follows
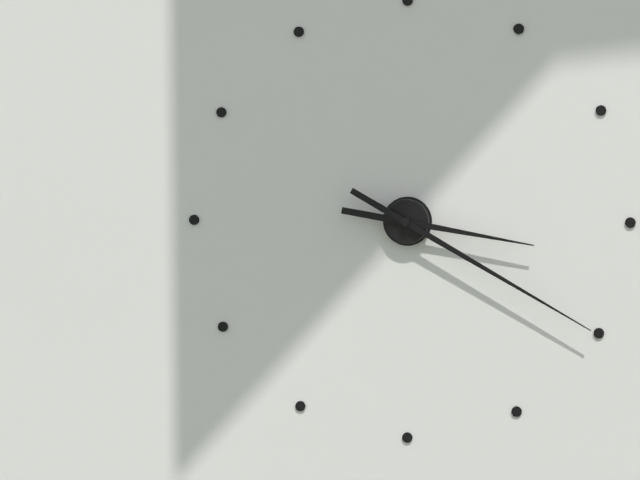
3:20
